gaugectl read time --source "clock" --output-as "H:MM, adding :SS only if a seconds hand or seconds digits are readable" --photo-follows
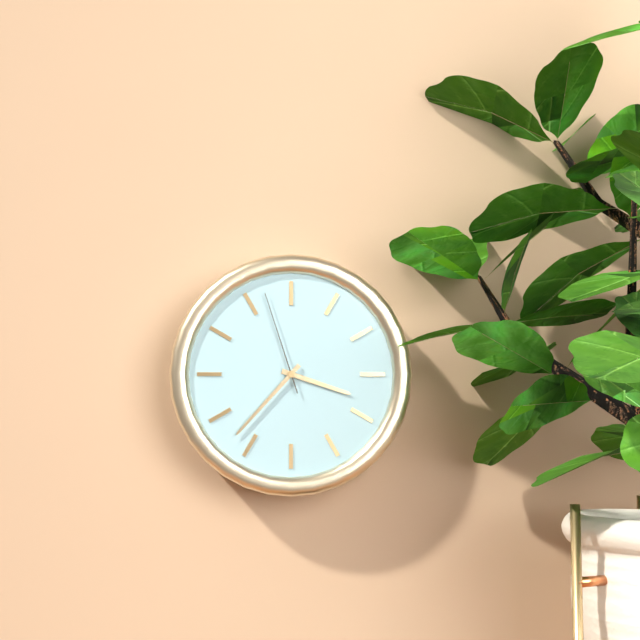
3:37:57
